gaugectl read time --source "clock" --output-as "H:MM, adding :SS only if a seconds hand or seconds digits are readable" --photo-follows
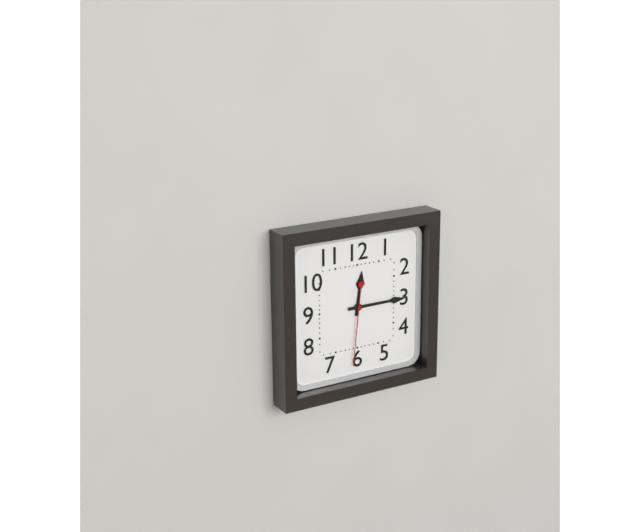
12:15:31
